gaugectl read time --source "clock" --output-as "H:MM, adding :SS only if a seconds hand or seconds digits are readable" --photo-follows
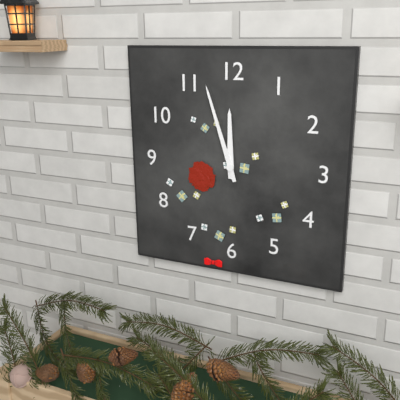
11:57
